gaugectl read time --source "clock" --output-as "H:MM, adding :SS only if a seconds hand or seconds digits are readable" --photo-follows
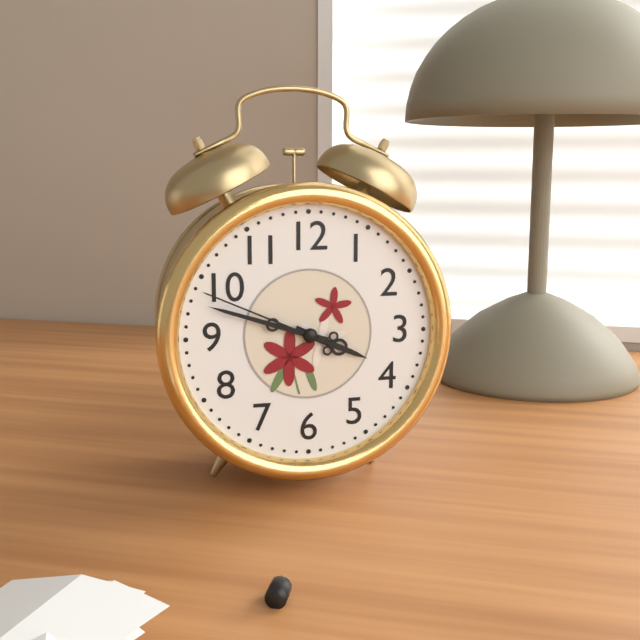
3:48:49
